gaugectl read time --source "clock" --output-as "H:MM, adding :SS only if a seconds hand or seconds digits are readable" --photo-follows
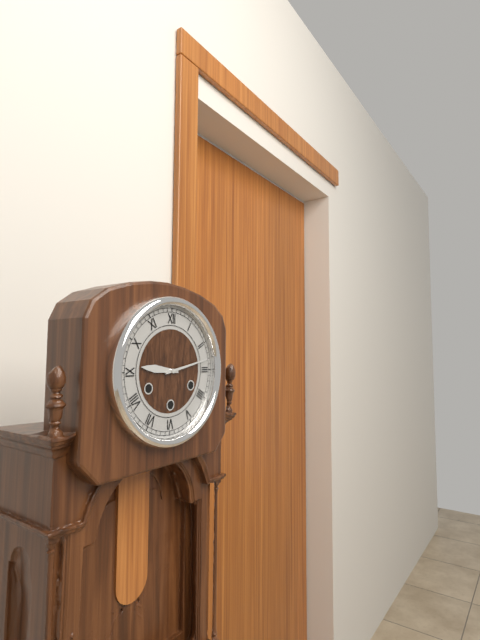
9:13
